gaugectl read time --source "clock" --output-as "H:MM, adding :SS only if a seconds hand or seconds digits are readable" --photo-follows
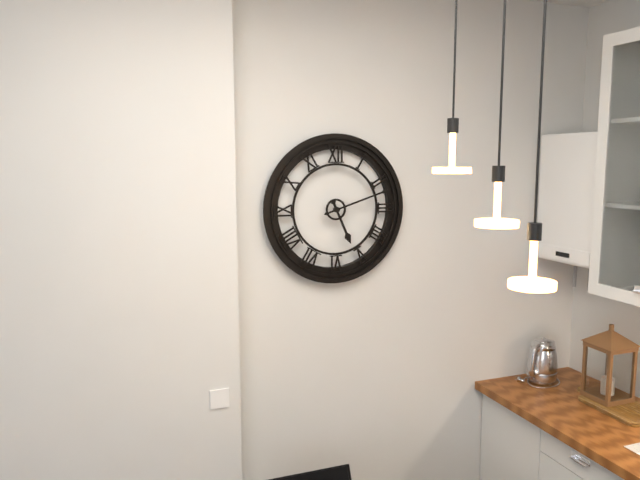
5:12
